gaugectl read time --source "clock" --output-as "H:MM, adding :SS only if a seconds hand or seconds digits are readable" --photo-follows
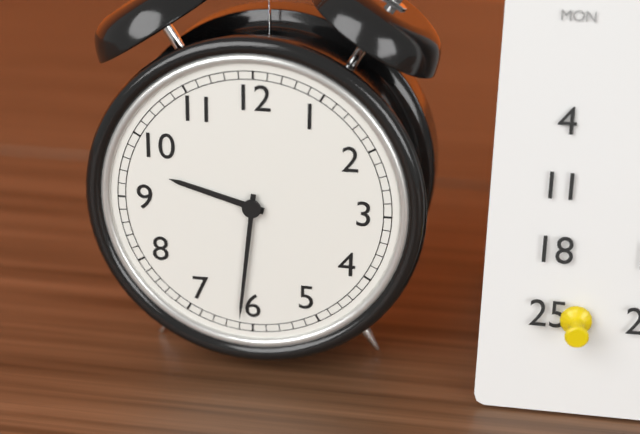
9:31
